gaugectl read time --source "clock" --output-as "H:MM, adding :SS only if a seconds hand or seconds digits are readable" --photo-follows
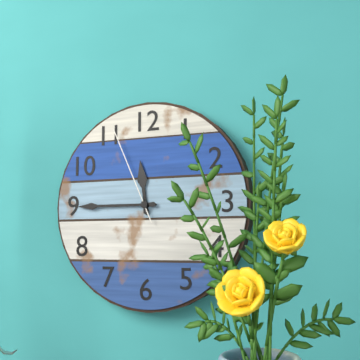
11:45:56
